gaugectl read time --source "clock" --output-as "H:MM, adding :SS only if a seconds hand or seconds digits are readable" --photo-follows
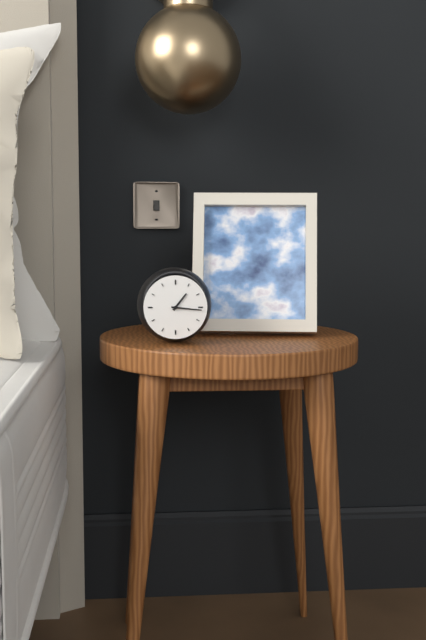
1:16
